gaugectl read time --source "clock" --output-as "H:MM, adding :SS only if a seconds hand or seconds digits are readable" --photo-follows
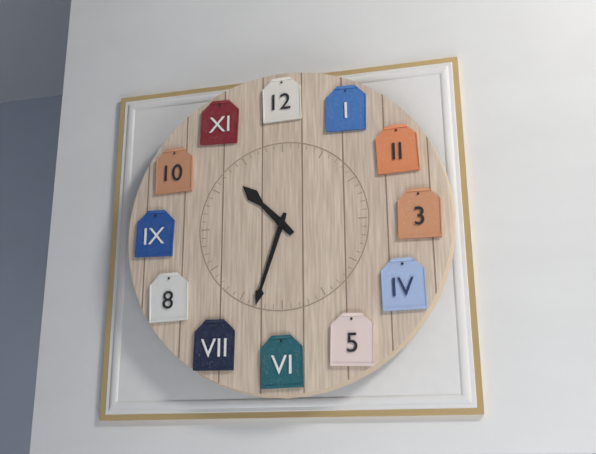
10:33
